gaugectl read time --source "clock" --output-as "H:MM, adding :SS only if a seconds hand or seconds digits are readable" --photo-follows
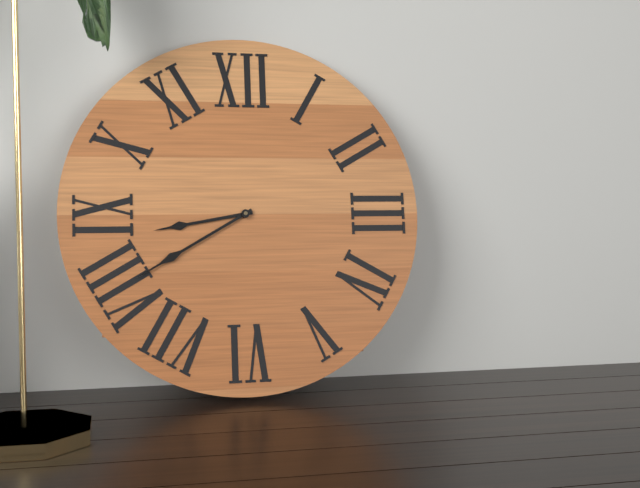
8:40
